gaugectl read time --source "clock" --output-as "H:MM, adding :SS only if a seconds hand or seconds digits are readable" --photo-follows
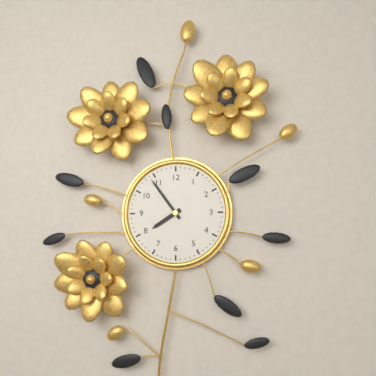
7:54
